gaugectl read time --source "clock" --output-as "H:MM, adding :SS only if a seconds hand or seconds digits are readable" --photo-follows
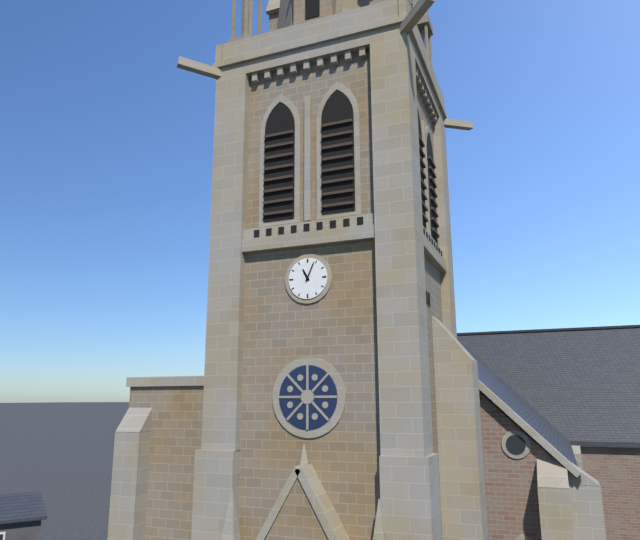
11:04
